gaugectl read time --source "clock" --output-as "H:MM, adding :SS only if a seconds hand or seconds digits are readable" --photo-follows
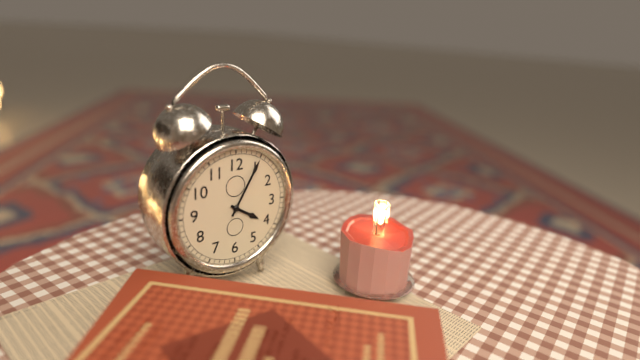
4:05
